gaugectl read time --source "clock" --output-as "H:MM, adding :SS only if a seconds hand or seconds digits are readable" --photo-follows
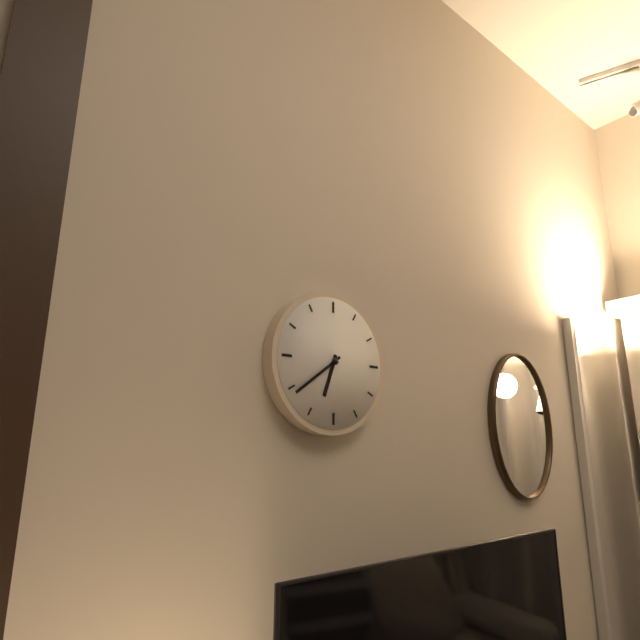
6:39
